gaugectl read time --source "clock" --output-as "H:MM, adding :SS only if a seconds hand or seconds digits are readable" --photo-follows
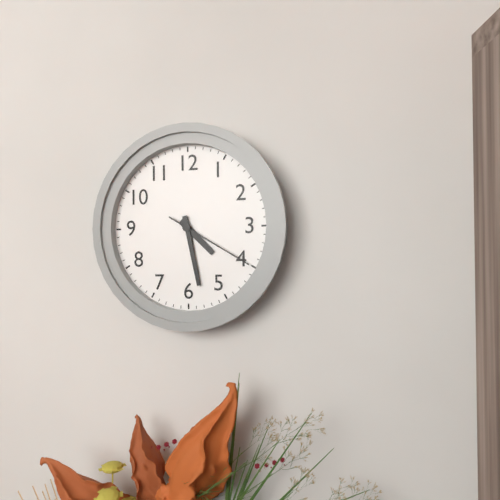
4:28:20
